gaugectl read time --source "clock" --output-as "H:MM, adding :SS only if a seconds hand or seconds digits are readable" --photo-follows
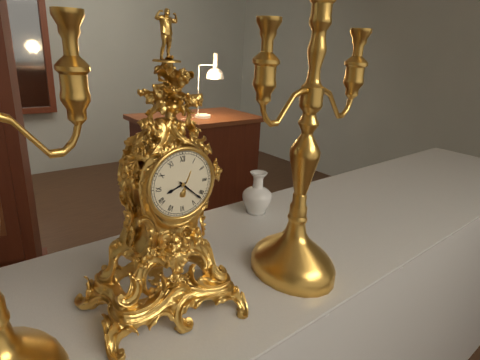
8:22
